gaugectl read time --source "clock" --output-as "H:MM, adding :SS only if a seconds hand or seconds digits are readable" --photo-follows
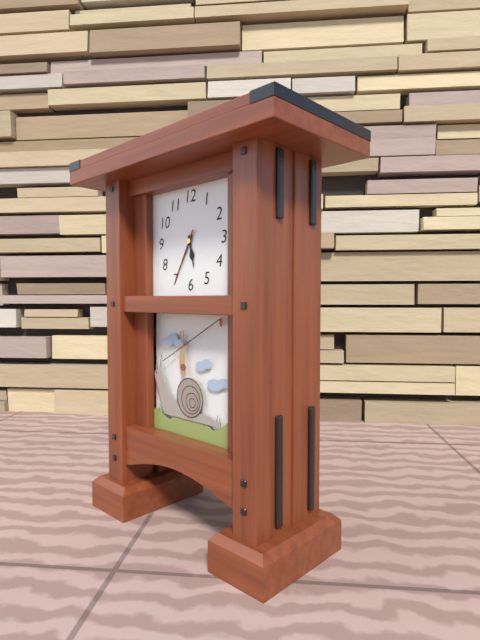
5:35:35
